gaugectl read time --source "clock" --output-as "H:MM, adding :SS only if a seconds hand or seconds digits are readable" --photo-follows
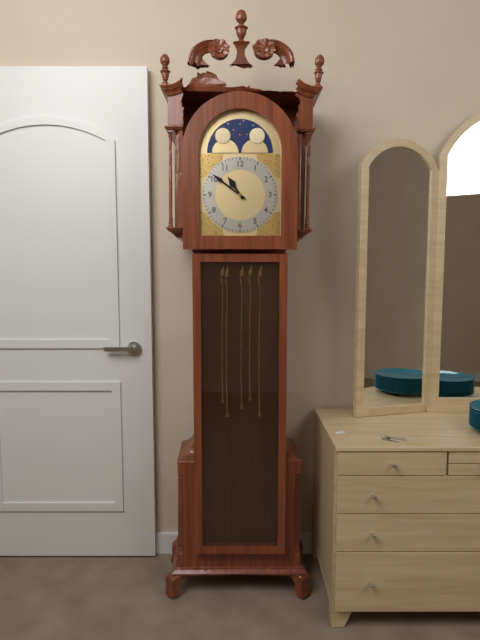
10:51
